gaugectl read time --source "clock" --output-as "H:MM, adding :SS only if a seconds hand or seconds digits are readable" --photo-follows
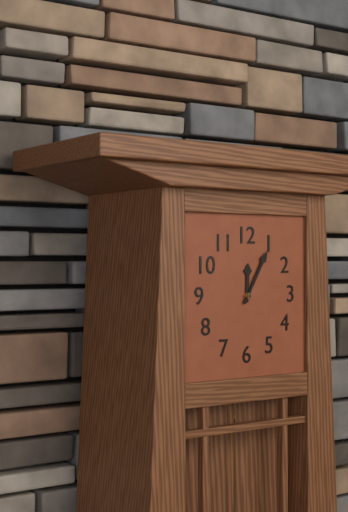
12:05
